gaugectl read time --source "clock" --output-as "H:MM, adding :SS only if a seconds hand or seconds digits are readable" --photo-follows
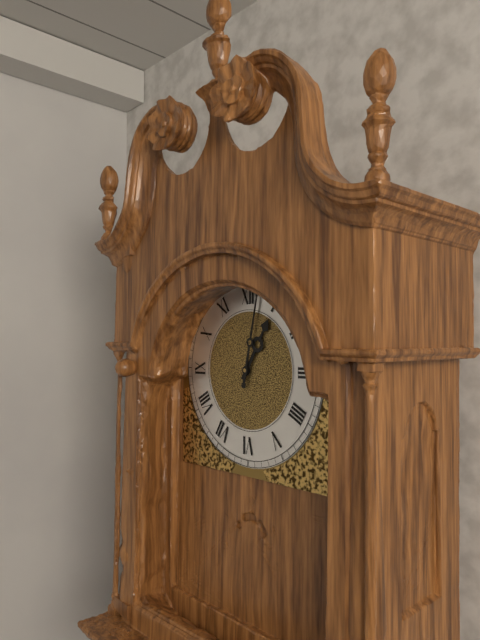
1:02
